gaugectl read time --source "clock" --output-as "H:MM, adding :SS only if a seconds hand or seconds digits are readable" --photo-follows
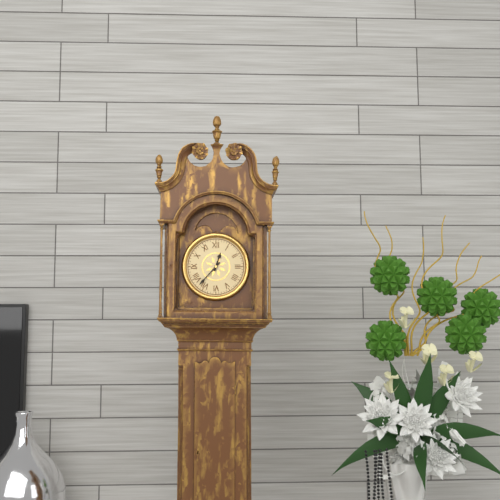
12:37
